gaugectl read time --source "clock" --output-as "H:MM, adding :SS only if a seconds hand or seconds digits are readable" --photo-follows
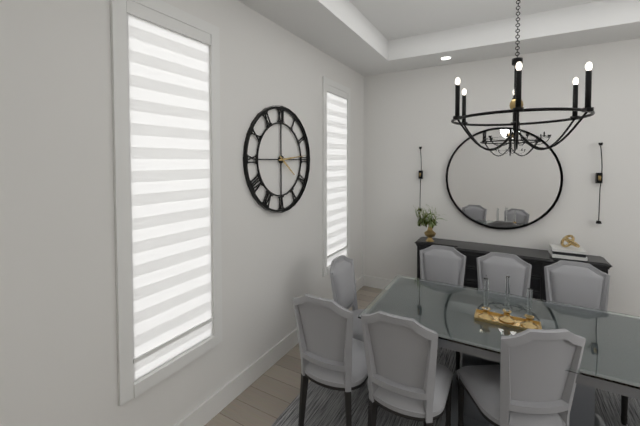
4:14
